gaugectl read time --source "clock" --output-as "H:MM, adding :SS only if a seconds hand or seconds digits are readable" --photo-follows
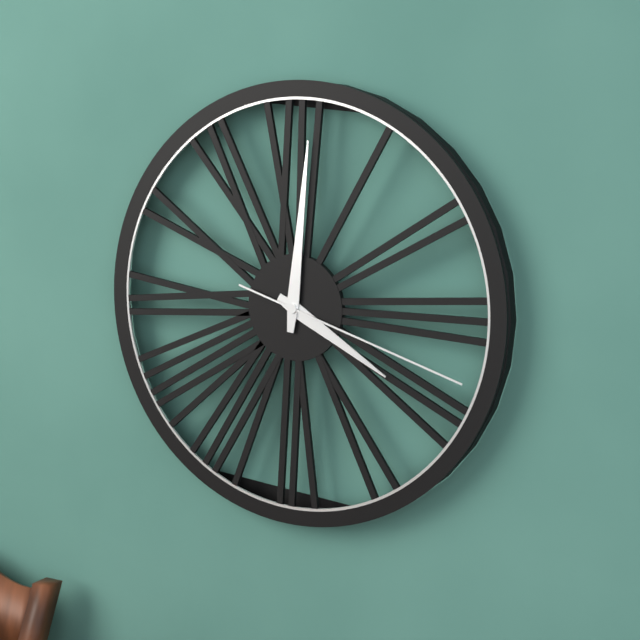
4:01:18
